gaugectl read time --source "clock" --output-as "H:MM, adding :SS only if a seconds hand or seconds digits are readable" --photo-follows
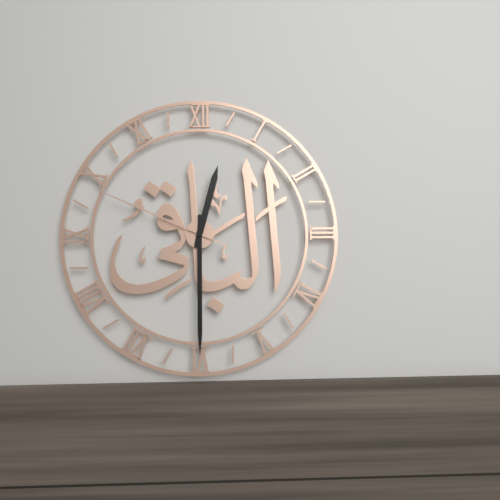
12:30:49
